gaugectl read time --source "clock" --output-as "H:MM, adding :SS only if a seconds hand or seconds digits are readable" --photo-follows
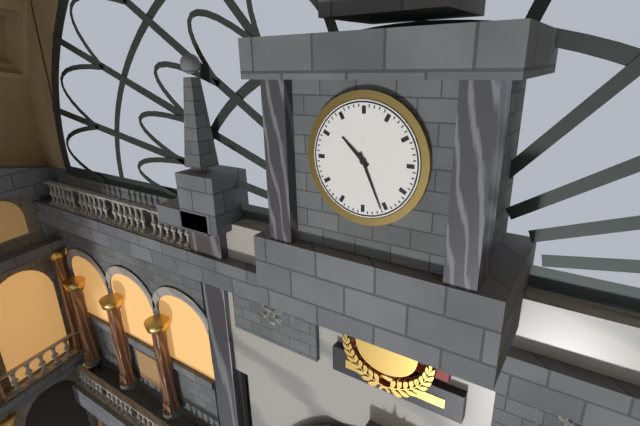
10:26
